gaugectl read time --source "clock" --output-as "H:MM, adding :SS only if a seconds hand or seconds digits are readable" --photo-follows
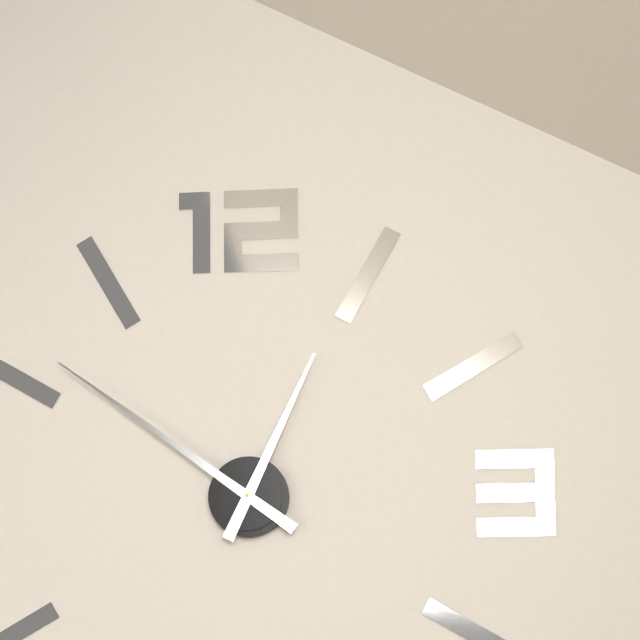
12:51
